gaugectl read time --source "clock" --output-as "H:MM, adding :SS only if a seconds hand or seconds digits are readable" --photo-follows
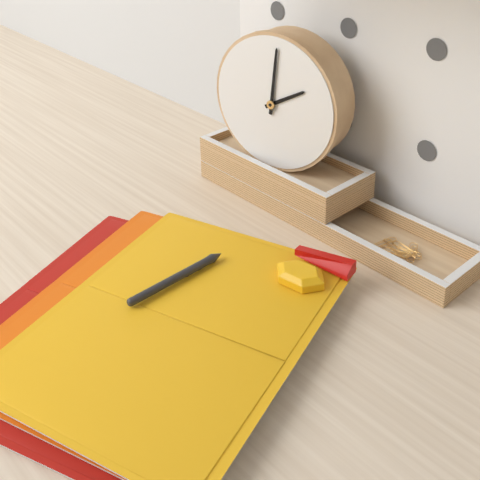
2:01
